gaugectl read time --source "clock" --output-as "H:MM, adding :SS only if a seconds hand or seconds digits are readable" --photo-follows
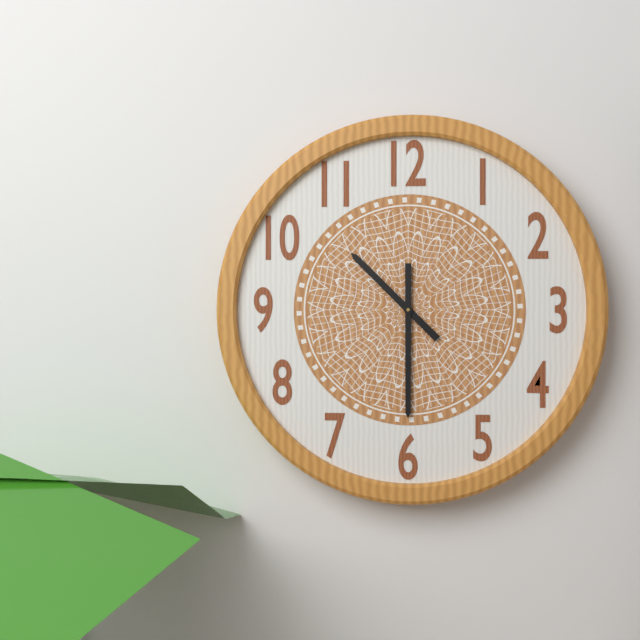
10:30
